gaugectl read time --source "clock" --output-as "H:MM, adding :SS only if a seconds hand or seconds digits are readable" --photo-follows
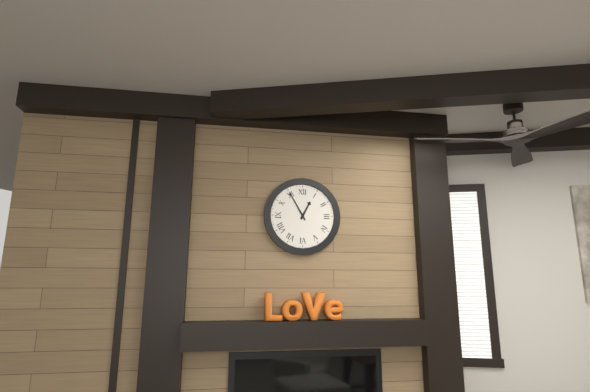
12:55
